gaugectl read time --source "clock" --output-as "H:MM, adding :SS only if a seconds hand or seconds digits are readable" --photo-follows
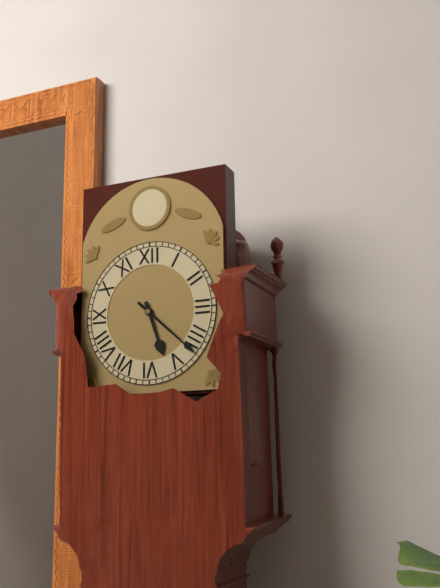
5:22
